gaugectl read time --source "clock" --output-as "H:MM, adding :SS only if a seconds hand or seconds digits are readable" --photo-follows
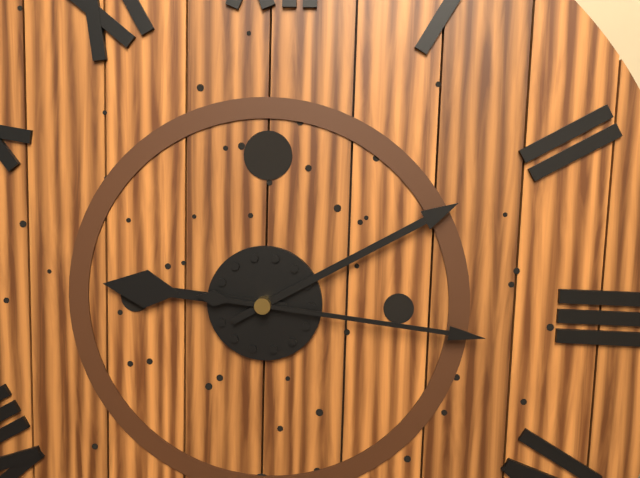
9:10:16
